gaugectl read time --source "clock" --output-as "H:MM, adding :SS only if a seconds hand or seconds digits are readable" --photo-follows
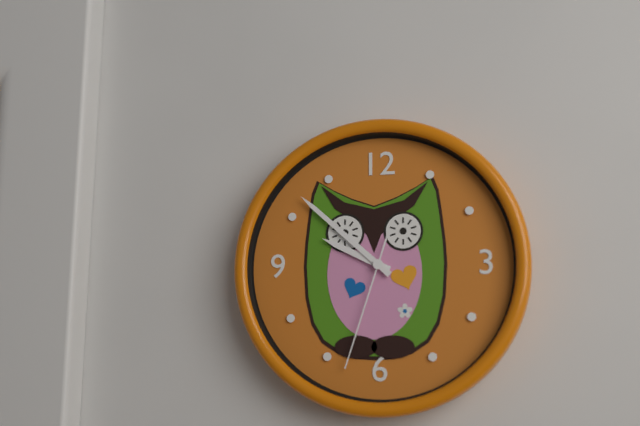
9:52:33
